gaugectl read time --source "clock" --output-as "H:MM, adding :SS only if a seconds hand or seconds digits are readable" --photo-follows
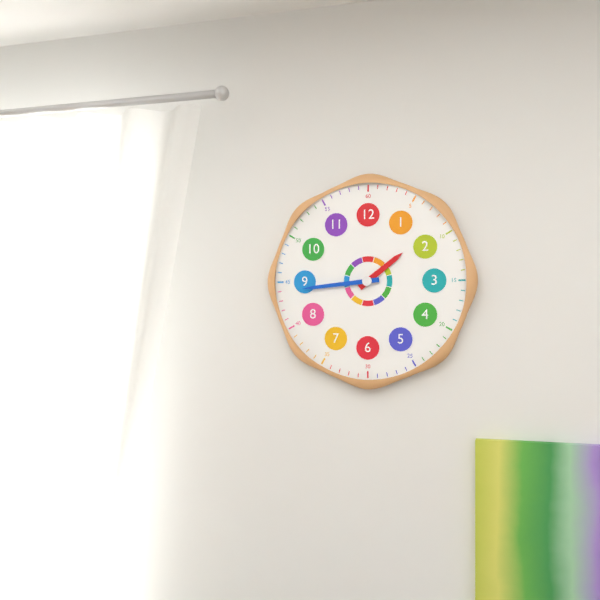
1:44
